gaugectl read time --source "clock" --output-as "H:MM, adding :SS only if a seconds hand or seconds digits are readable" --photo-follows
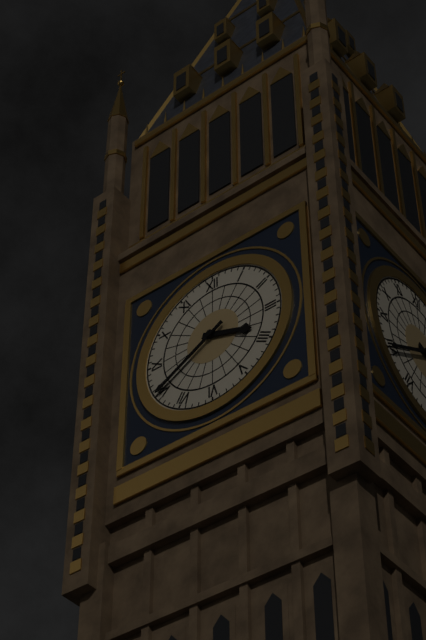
3:40
